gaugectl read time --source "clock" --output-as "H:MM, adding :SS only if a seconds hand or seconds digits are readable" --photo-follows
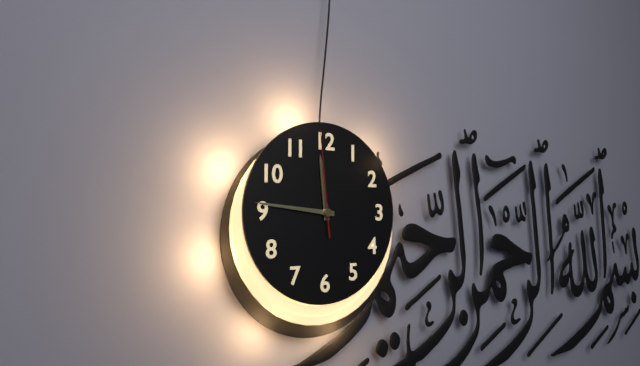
11:46:59
